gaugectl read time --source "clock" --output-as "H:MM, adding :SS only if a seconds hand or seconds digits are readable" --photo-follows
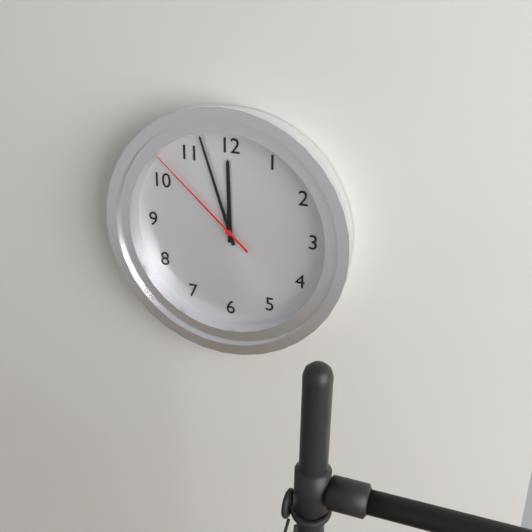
11:57:52
